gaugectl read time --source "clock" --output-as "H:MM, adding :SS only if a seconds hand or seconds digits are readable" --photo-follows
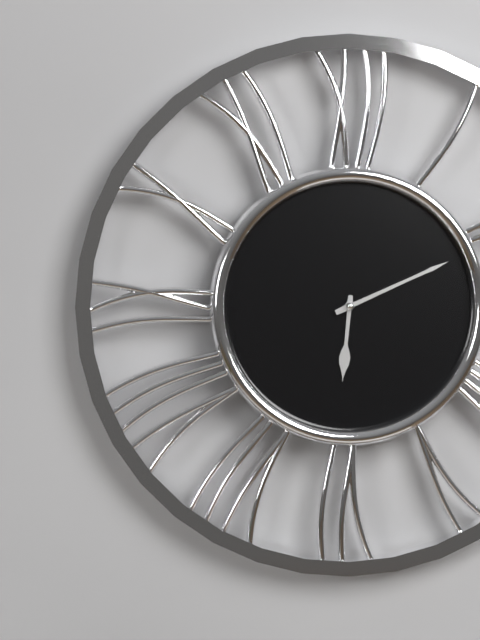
6:11
